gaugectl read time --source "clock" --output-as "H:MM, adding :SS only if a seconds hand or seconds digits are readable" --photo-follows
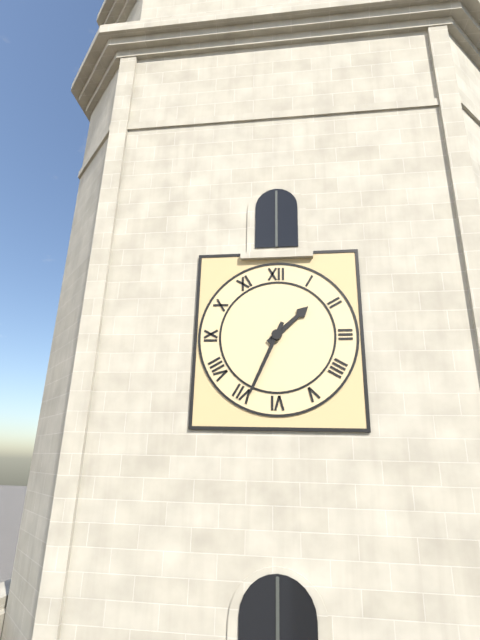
1:34
